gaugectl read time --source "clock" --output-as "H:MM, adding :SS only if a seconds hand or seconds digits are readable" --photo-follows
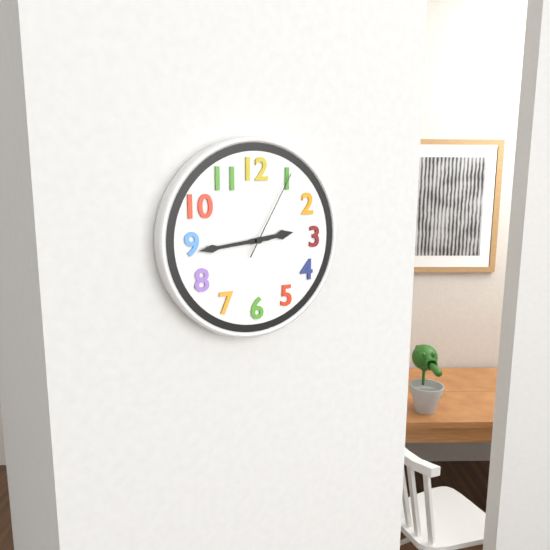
2:44:05
